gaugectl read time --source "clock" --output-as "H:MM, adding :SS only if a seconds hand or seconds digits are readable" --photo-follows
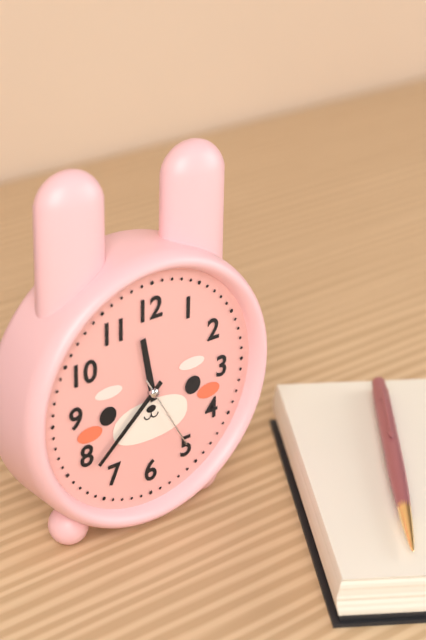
11:38:25
